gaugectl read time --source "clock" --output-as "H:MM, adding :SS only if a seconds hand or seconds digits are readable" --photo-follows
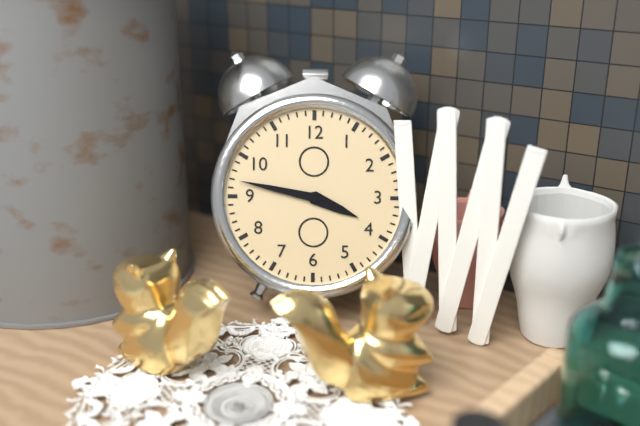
3:47
